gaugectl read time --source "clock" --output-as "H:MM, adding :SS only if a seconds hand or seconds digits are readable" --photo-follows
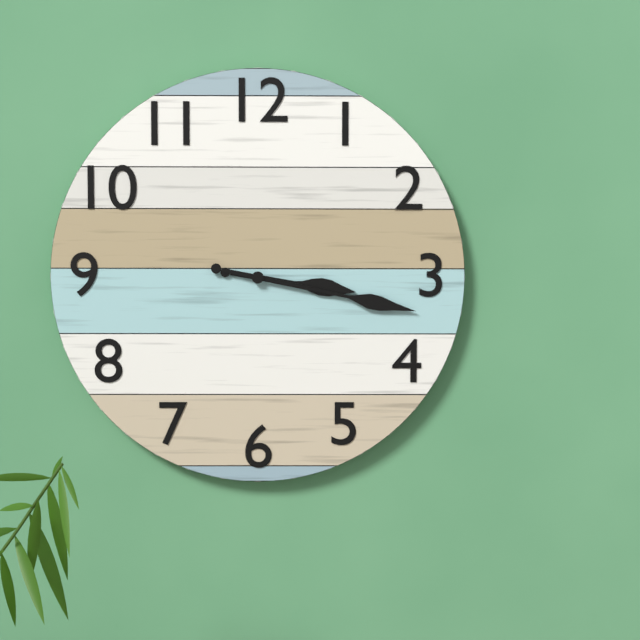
3:17
